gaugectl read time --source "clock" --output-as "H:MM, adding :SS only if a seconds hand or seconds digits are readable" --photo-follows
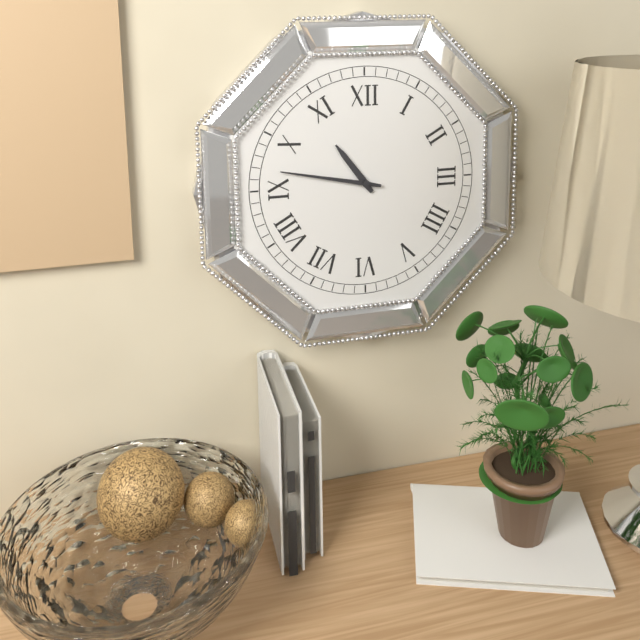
10:47
